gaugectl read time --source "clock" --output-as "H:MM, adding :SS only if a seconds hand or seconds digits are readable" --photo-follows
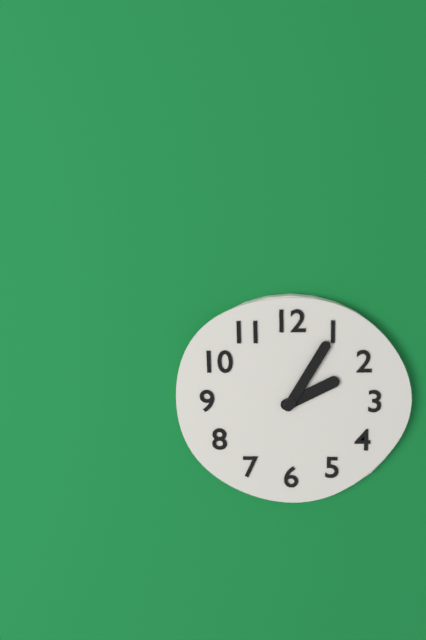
2:05
